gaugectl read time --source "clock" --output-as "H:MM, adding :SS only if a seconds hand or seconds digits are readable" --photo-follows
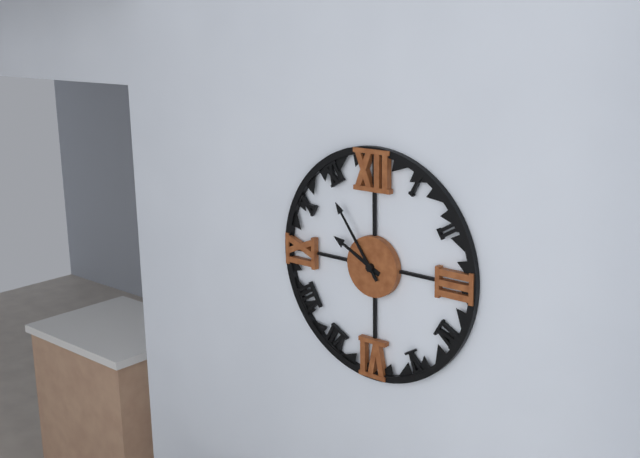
9:54
